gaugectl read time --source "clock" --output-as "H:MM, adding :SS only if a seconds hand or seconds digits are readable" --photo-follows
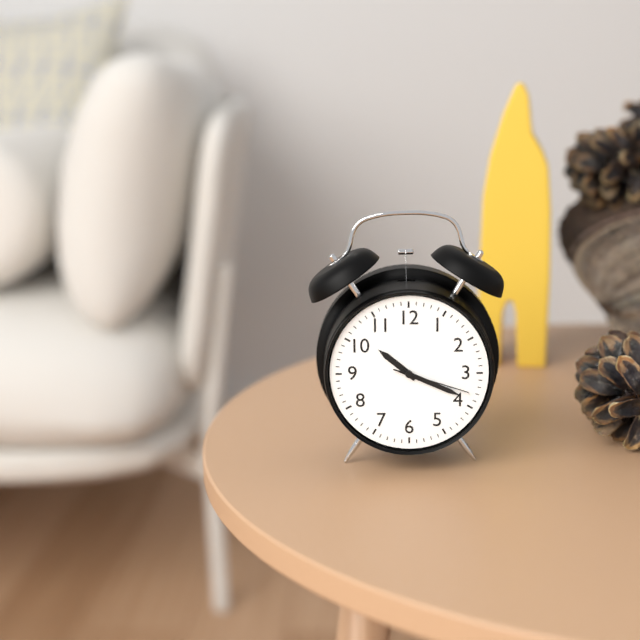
10:19:18
